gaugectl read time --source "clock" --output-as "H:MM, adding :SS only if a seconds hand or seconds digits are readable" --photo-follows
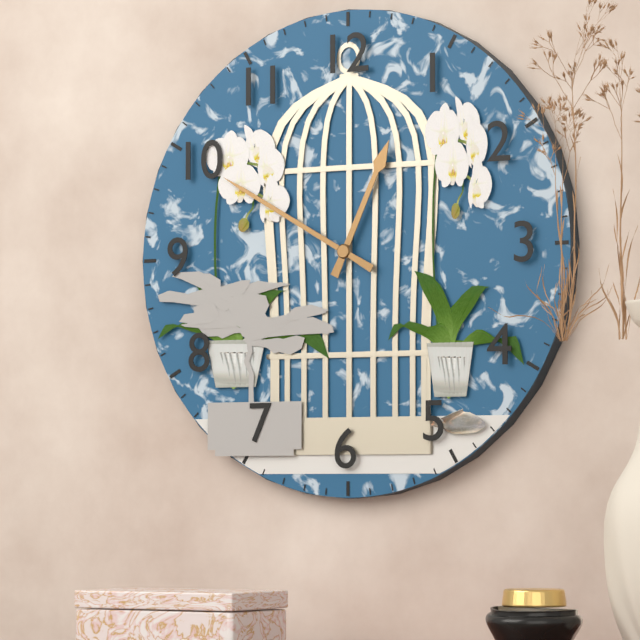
12:50
